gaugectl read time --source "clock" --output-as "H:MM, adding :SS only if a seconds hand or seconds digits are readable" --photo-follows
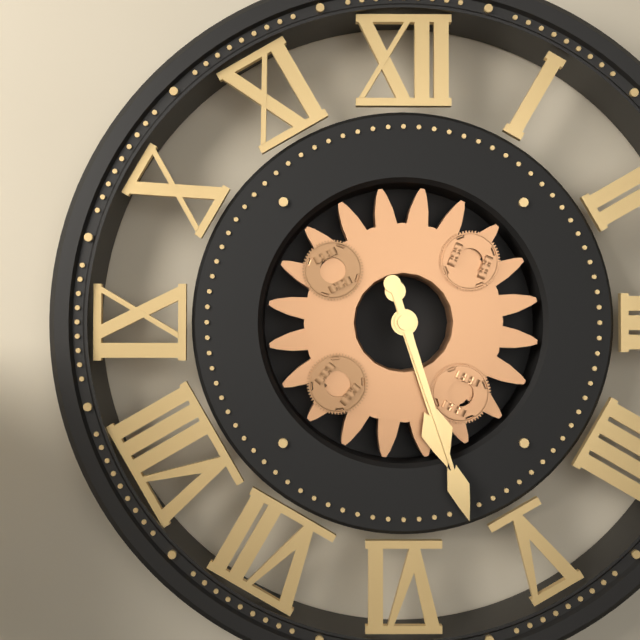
5:27
